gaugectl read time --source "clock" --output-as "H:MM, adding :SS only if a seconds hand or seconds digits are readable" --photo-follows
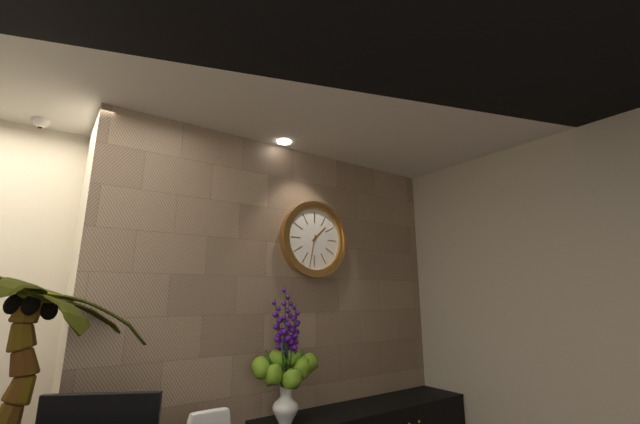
1:32
